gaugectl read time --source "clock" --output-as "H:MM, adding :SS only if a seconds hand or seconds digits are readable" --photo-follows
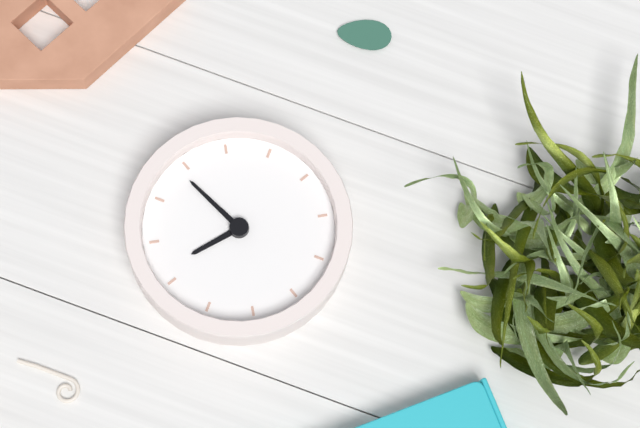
1:19
